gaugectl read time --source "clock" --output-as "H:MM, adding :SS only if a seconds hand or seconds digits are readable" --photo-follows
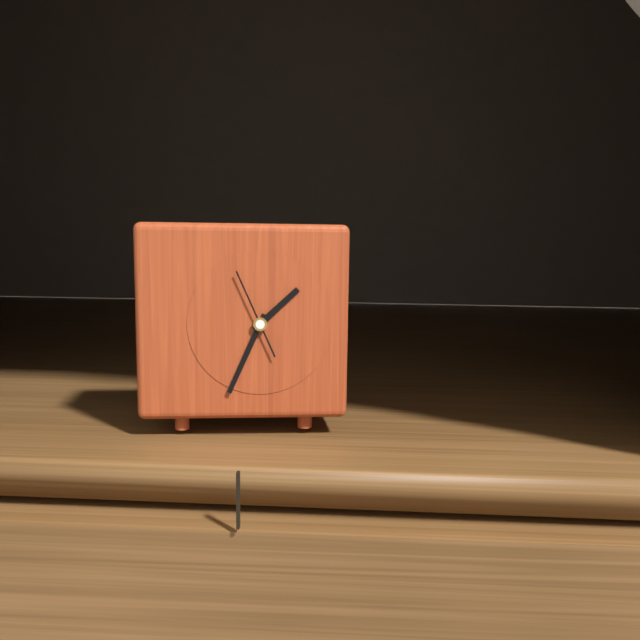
1:34:56
